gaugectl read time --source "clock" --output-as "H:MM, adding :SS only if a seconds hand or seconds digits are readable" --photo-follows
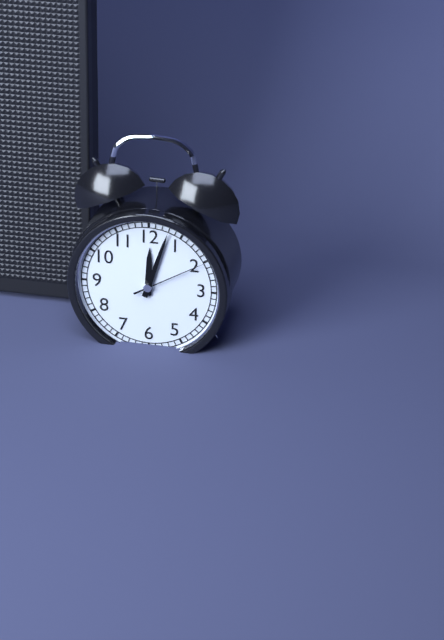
12:03:10
